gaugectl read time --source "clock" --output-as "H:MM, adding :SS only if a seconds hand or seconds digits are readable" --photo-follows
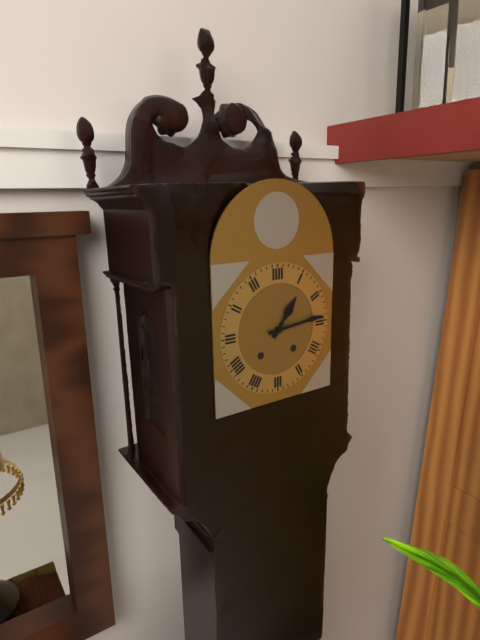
1:14
